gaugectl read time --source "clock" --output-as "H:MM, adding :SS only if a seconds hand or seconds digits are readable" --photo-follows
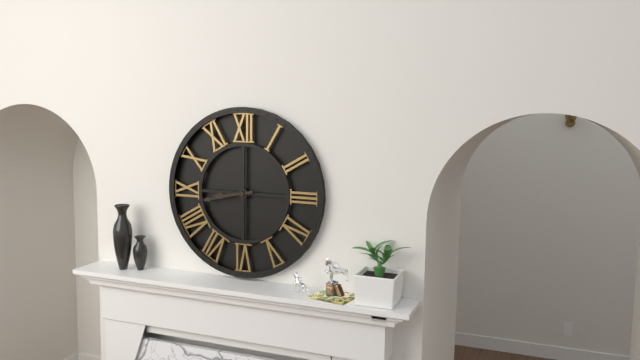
8:43
